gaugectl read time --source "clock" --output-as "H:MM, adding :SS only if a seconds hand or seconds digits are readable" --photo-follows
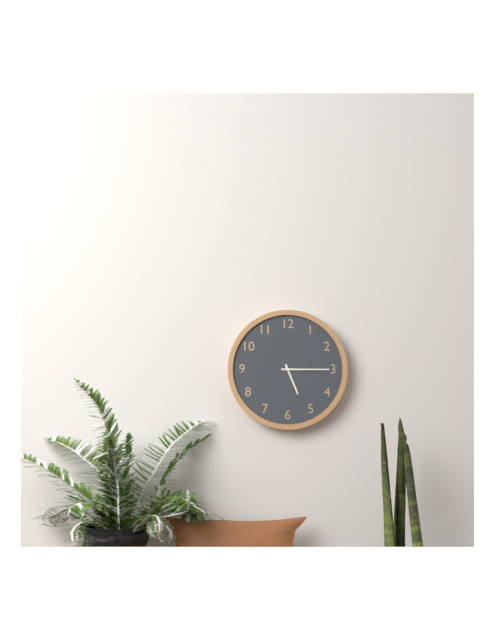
5:15
